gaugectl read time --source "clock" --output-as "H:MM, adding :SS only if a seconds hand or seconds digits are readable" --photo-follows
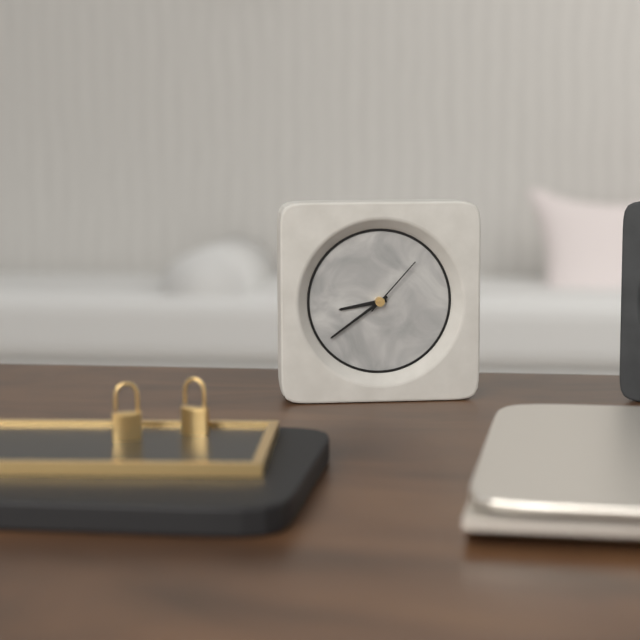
8:39:07
